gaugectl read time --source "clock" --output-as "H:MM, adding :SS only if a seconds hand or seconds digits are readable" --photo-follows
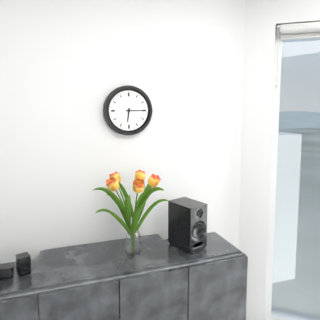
6:15
